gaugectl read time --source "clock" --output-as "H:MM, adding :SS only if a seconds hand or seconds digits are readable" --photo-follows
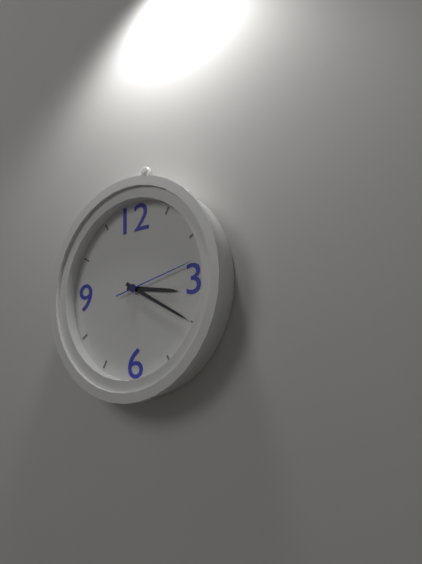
3:20:13
